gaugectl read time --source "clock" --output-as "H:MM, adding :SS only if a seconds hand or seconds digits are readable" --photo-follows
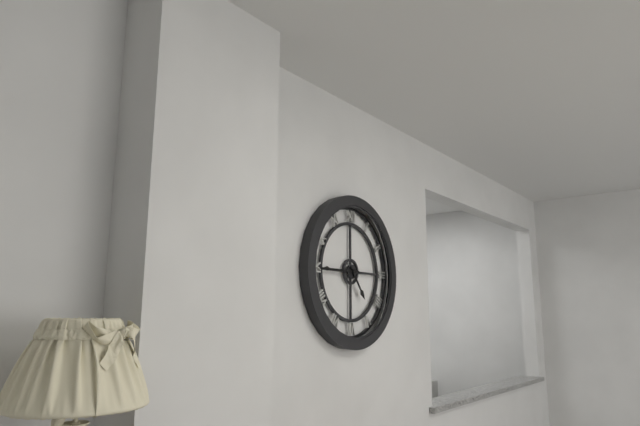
4:45
